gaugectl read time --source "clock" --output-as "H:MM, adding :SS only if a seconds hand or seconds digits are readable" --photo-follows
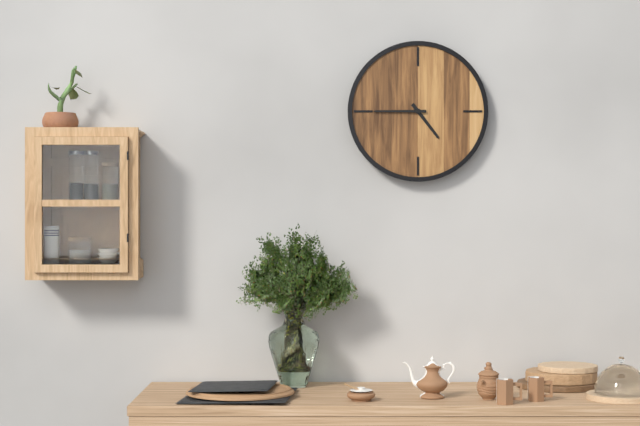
4:45
